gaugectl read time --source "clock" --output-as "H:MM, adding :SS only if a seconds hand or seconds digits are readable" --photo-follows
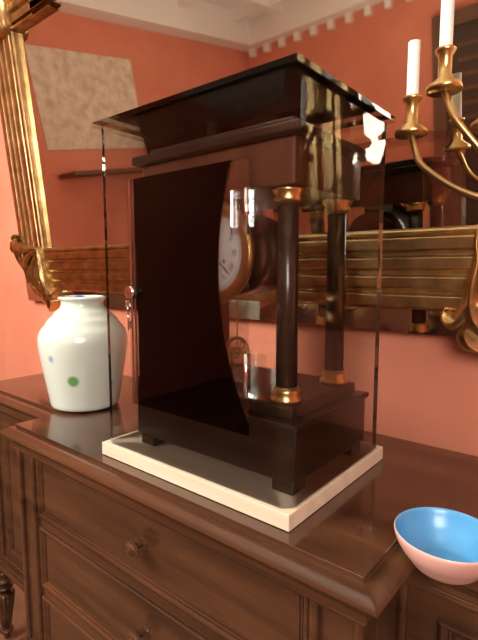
7:22
